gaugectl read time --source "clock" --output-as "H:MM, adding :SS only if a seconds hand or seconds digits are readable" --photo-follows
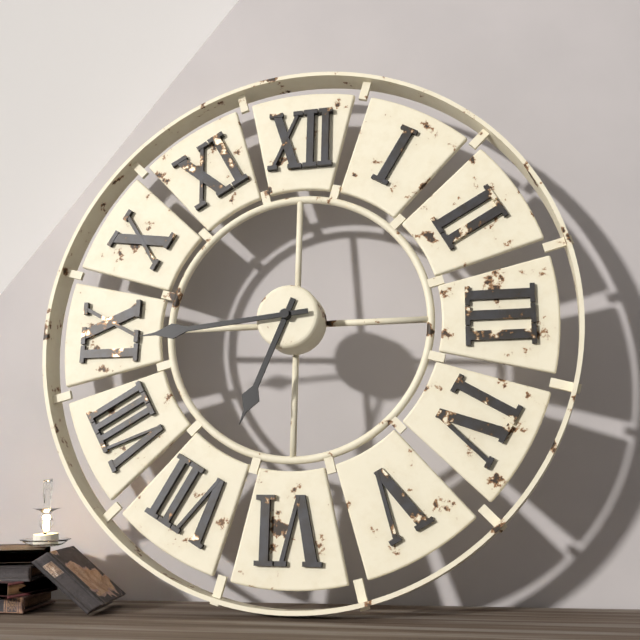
6:44
